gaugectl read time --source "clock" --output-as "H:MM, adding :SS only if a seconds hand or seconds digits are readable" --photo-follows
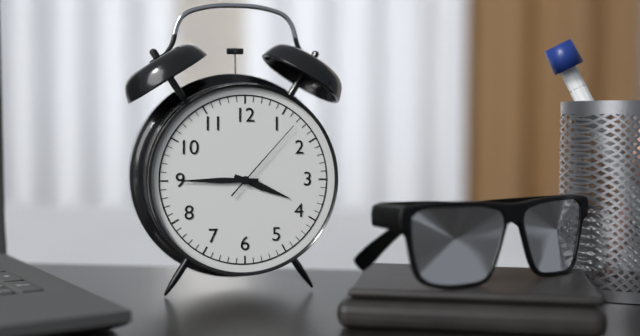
3:45:07
